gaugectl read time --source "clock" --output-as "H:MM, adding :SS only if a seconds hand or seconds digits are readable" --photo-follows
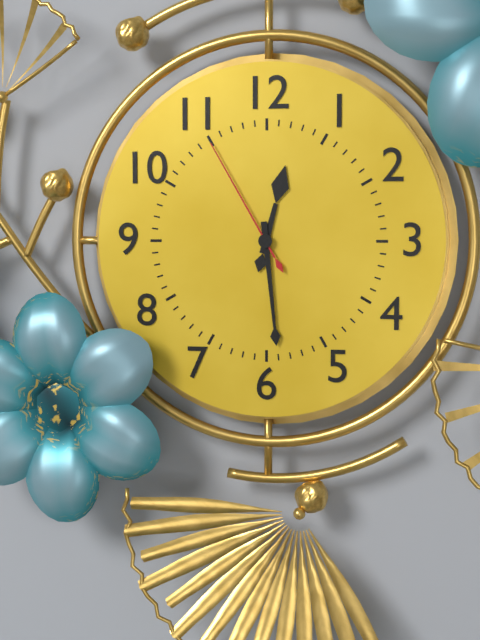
12:29:55
